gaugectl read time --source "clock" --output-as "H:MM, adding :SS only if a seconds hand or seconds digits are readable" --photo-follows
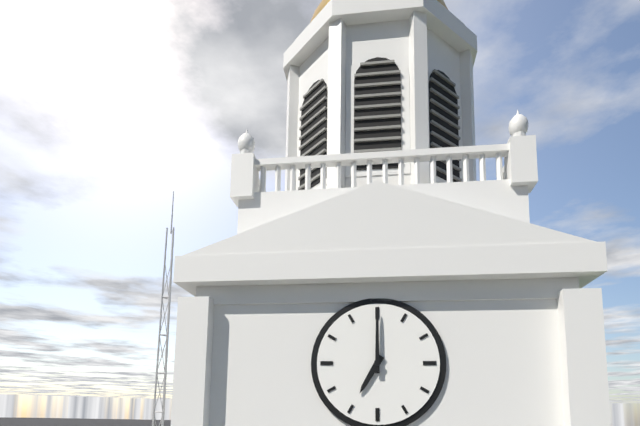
7:00
